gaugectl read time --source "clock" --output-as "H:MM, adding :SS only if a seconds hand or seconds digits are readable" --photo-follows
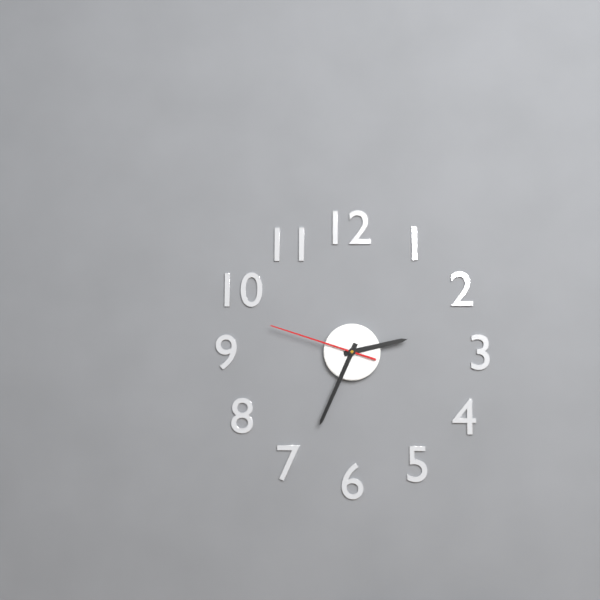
2:34:48
